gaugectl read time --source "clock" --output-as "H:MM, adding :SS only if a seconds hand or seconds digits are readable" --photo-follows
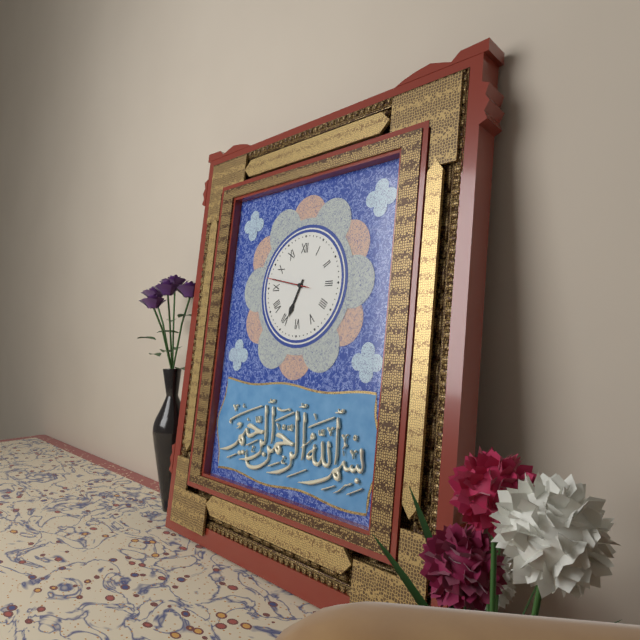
6:47
